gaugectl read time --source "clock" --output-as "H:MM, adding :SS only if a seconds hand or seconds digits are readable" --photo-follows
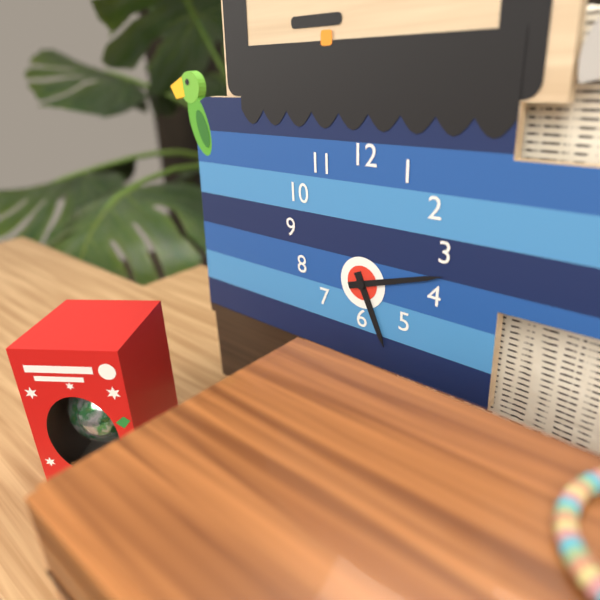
5:12
